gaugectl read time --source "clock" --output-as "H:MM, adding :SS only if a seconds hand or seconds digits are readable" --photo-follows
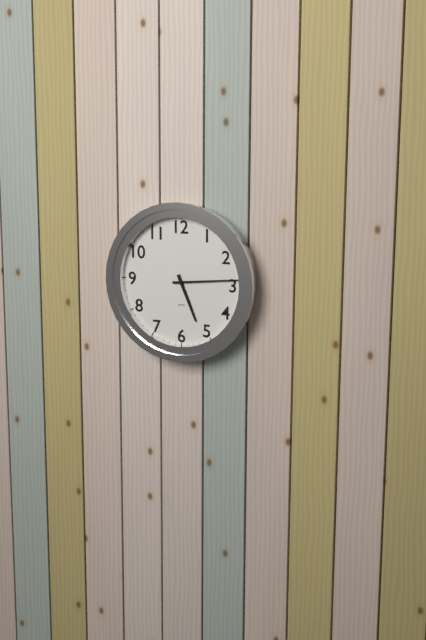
5:14
